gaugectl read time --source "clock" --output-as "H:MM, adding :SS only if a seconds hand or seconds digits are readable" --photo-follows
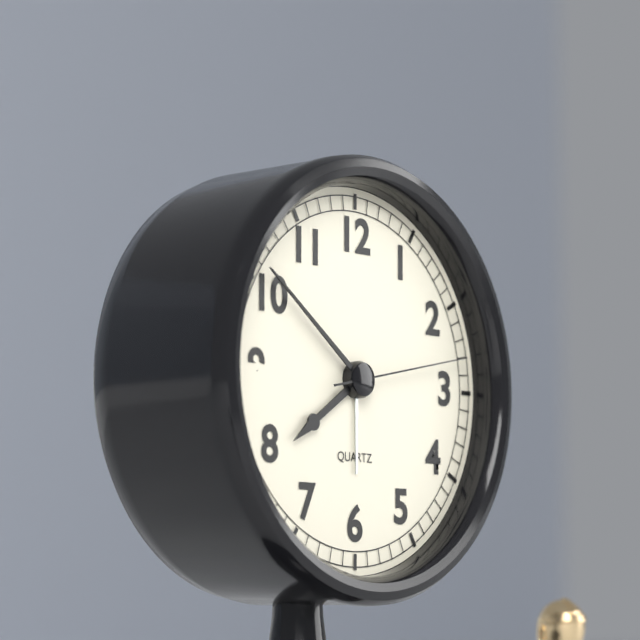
7:51:13
